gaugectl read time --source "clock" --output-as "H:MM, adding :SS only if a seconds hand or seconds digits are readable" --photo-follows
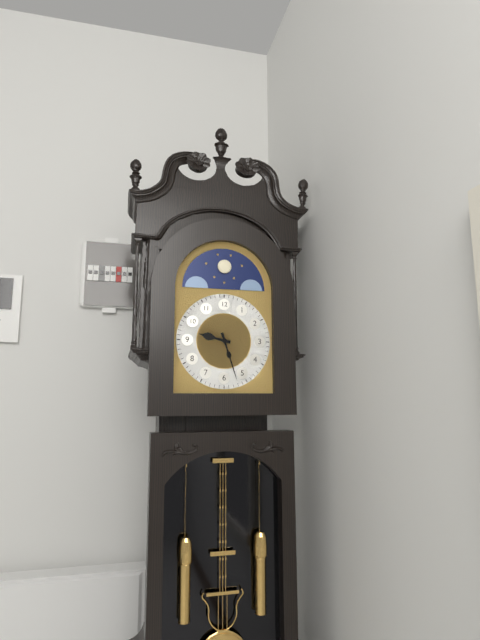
9:27
